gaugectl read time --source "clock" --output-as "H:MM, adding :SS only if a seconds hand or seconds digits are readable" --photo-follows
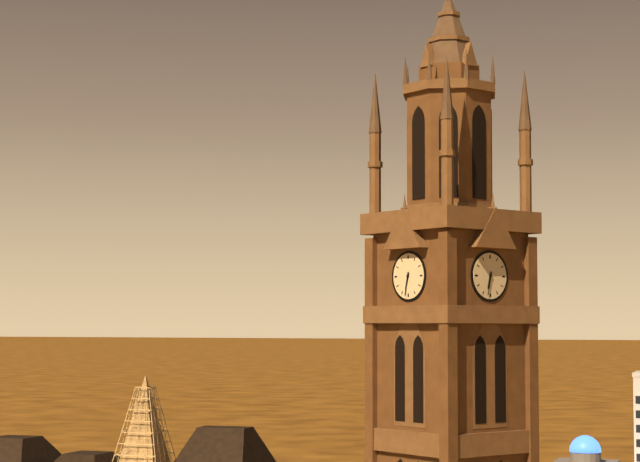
6:32
